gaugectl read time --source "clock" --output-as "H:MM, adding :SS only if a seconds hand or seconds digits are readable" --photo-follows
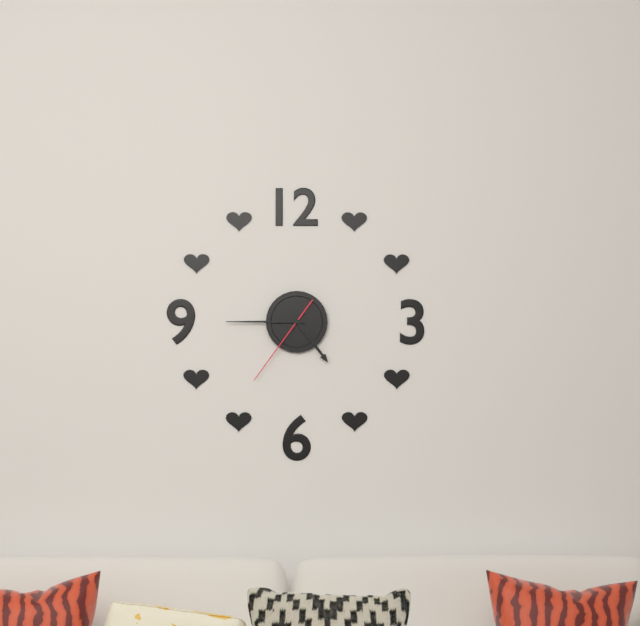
4:45:36
